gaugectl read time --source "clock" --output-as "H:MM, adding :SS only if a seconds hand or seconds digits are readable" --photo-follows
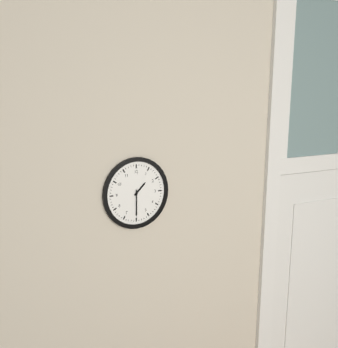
1:30
